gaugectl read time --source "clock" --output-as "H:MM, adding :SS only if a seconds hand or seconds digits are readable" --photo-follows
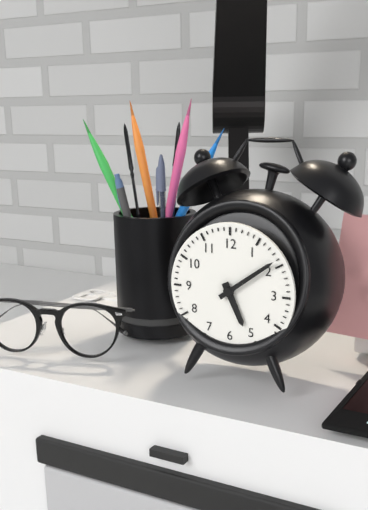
5:09
